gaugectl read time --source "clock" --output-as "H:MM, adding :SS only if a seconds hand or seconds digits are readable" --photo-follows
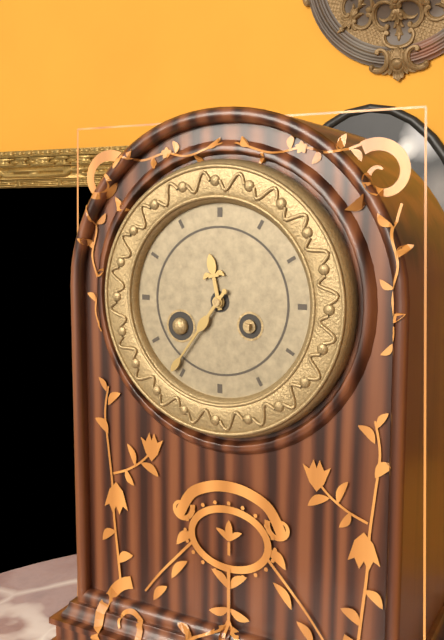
11:36
